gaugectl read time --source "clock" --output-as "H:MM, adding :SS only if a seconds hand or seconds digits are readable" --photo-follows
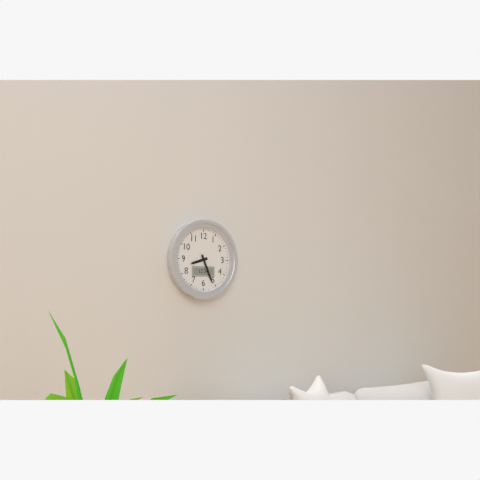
8:26
